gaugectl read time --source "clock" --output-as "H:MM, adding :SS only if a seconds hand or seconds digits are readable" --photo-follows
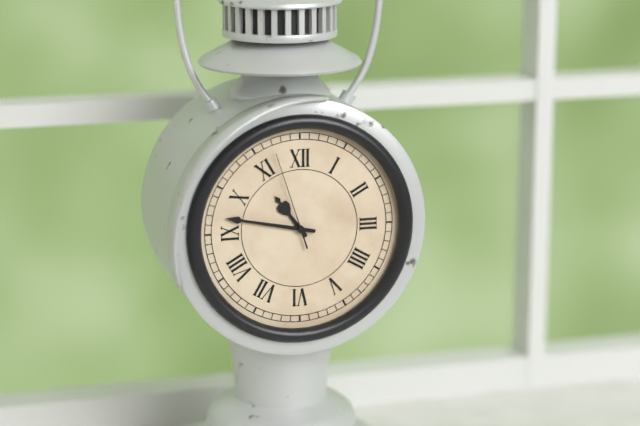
10:47:57
